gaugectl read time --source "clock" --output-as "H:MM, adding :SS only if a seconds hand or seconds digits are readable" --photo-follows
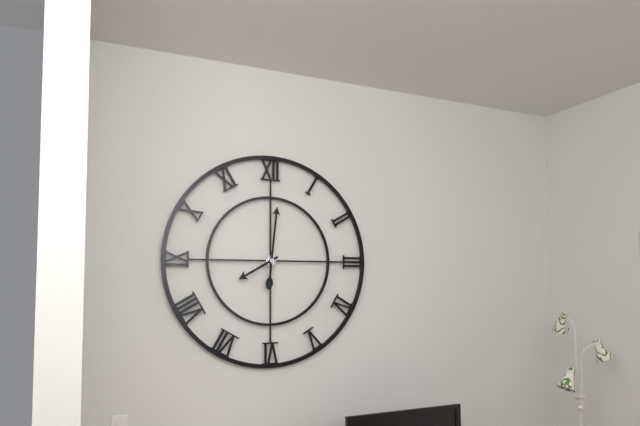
8:01
